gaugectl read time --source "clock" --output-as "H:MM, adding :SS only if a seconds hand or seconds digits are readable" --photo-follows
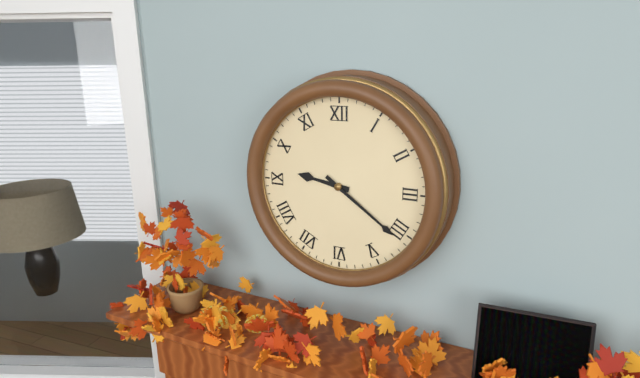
9:21
